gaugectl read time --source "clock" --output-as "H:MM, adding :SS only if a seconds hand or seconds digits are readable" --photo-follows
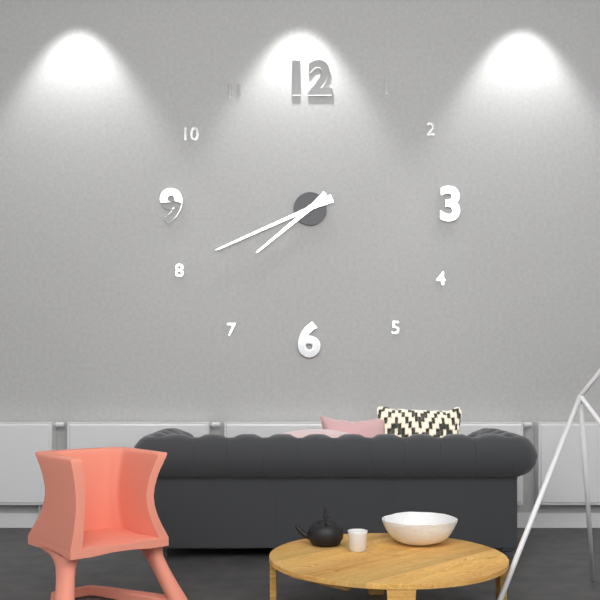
7:41
